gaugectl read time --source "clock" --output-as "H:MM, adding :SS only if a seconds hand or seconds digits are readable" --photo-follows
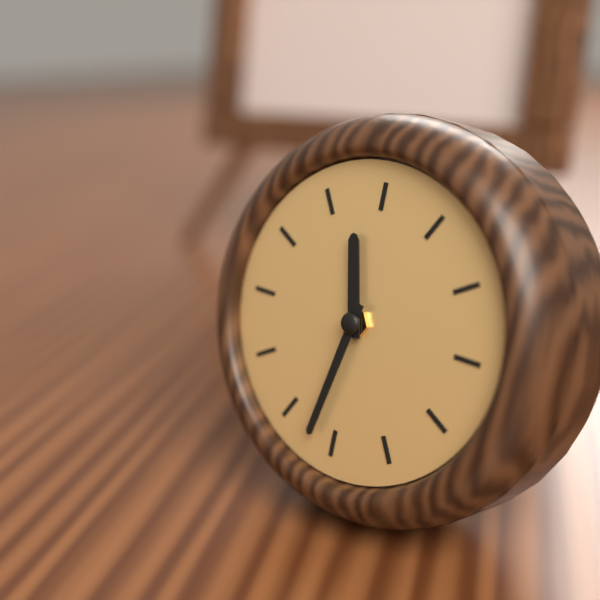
11:32
